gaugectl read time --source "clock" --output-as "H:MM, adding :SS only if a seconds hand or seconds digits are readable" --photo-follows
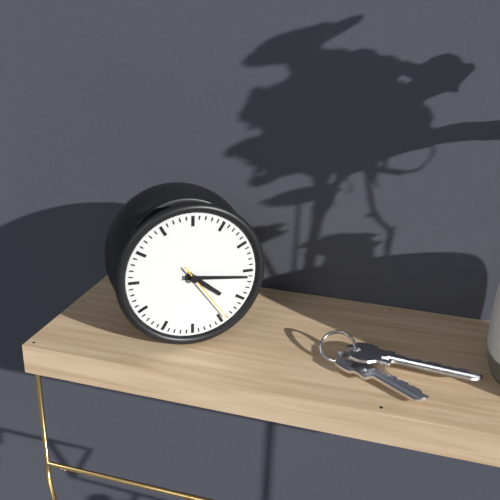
4:16:24
